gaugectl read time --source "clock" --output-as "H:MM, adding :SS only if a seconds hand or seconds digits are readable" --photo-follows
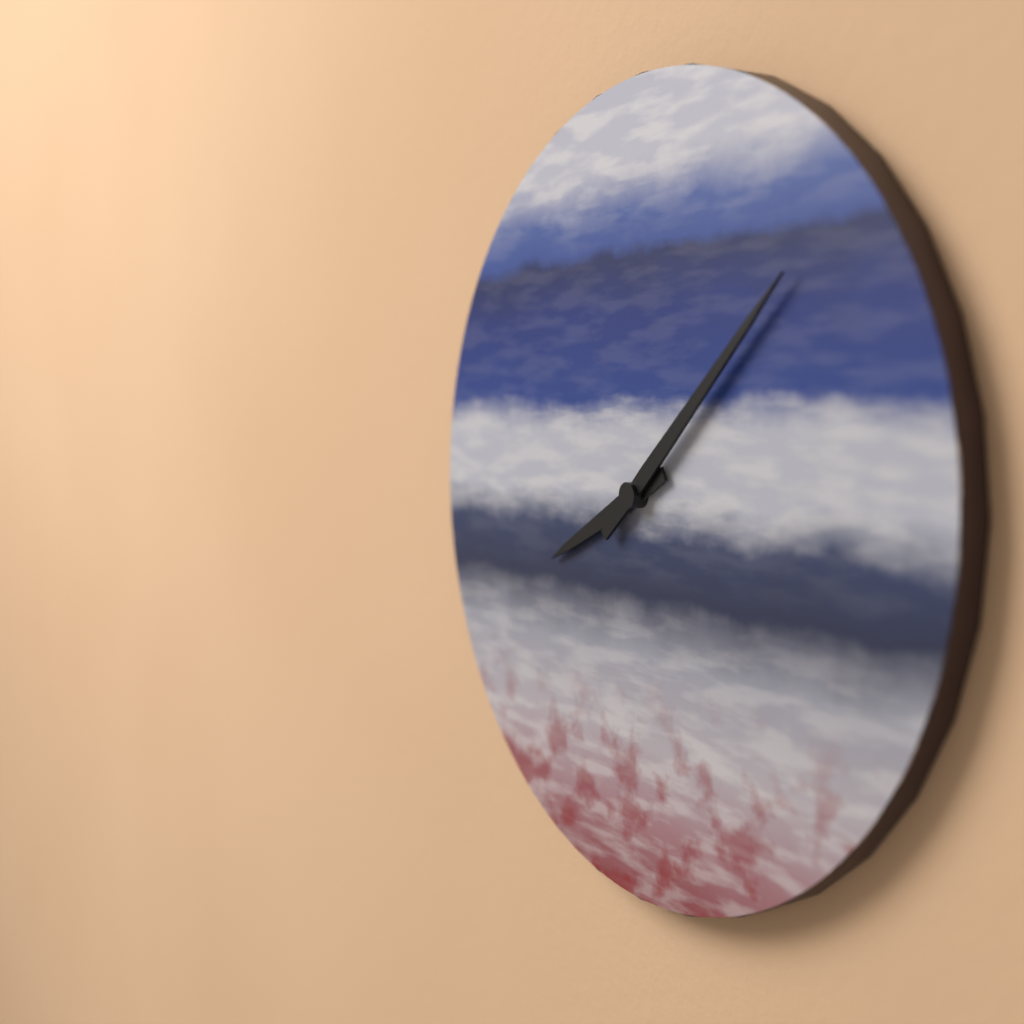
8:08
